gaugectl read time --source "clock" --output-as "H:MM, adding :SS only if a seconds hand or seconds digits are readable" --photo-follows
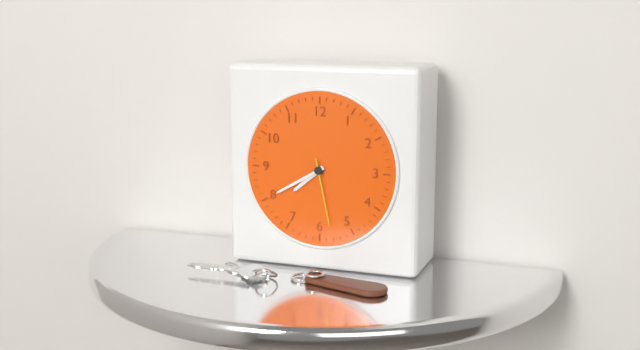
7:40:28
